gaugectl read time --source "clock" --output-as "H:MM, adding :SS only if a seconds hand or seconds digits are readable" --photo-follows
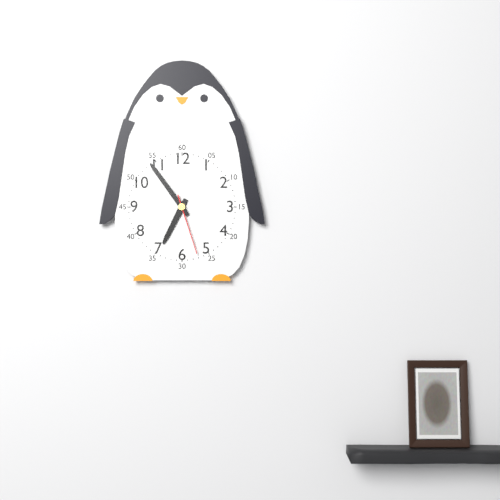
6:54:27
